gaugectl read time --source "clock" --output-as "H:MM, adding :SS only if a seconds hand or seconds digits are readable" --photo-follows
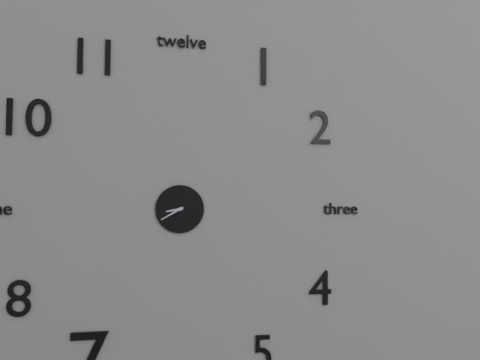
8:40
